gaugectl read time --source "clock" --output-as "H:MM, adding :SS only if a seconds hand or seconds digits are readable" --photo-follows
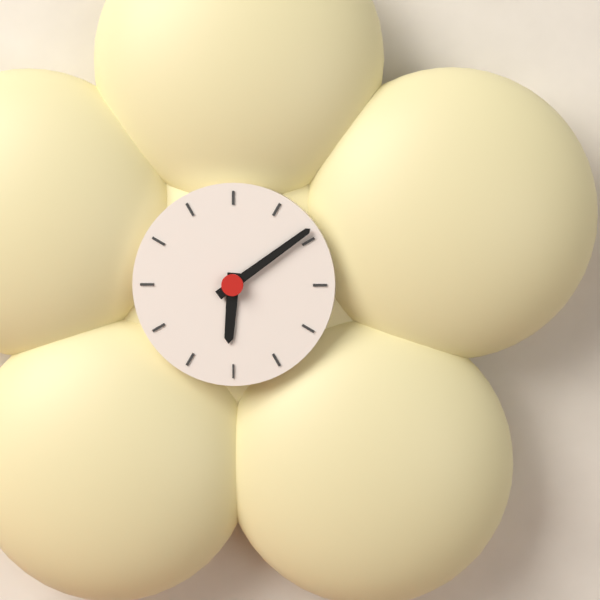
6:09
